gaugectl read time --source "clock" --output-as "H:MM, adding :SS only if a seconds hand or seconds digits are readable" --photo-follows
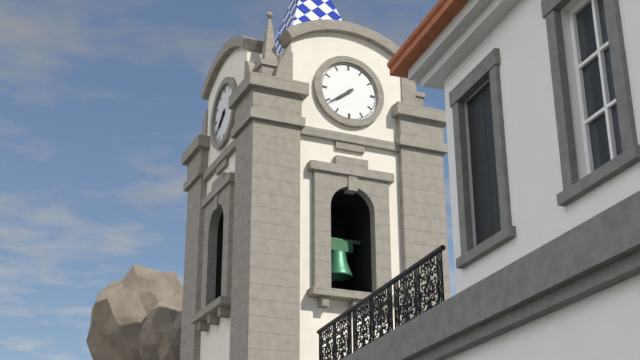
7:39
